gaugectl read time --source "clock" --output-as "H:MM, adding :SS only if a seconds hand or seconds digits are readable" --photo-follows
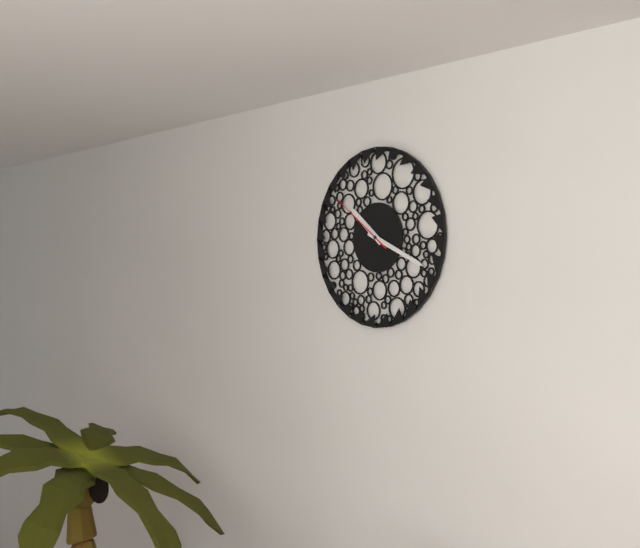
10:19:51
